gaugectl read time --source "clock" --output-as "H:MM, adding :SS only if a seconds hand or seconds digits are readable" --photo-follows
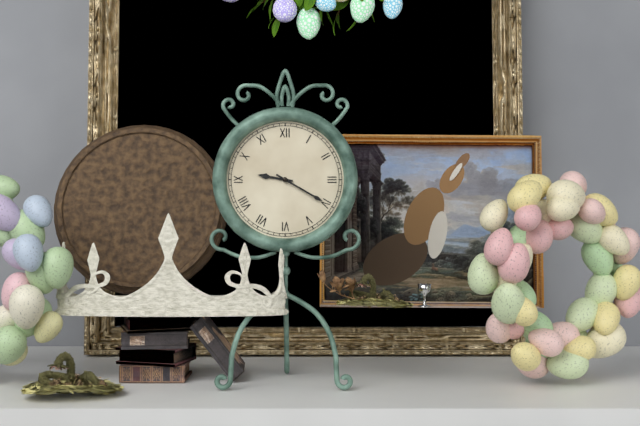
9:20
